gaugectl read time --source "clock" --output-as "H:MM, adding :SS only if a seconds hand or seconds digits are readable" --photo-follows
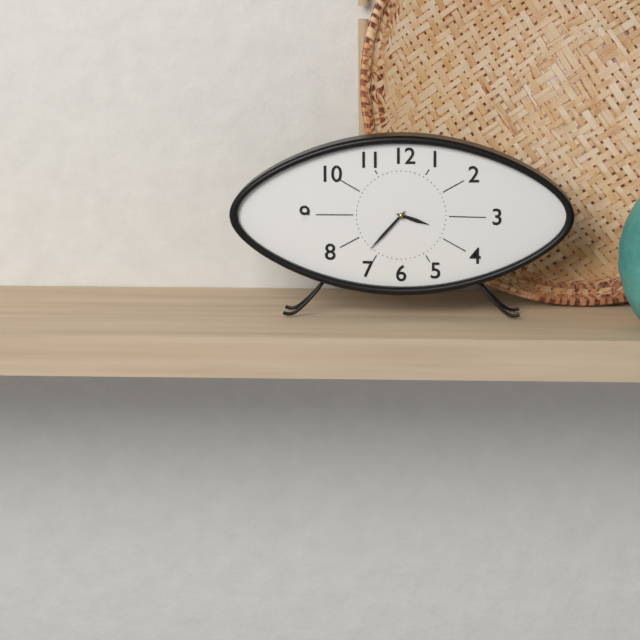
3:37
